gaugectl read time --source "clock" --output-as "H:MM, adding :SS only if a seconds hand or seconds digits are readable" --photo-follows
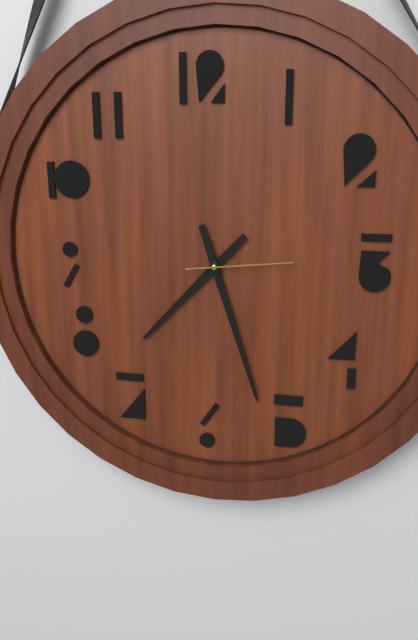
7:27:14
